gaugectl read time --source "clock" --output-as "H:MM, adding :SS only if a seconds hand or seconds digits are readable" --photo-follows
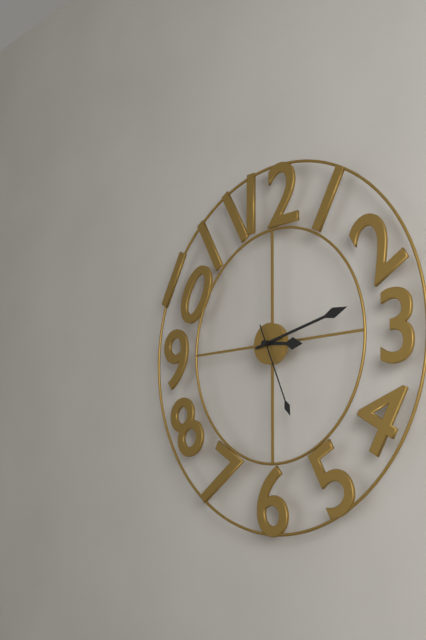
3:13:26
